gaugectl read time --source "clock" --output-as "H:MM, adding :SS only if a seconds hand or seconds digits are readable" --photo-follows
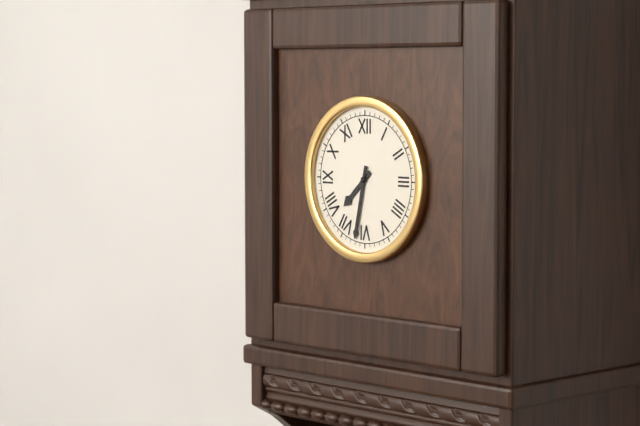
7:32
